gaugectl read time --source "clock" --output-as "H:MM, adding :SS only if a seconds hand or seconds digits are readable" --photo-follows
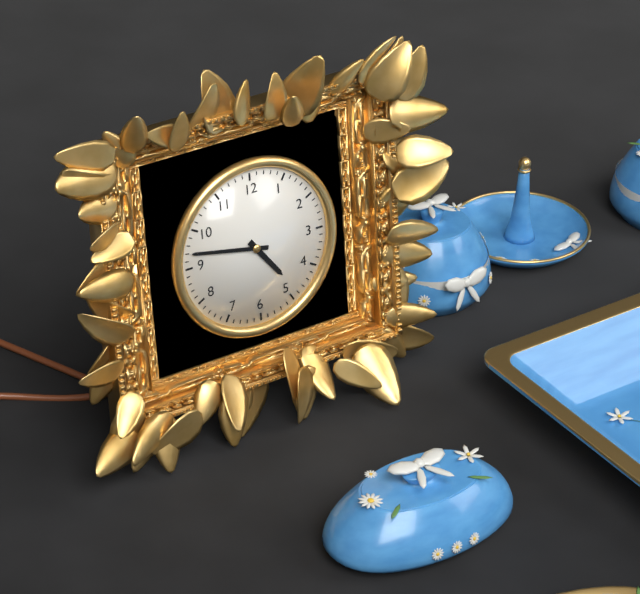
4:47
